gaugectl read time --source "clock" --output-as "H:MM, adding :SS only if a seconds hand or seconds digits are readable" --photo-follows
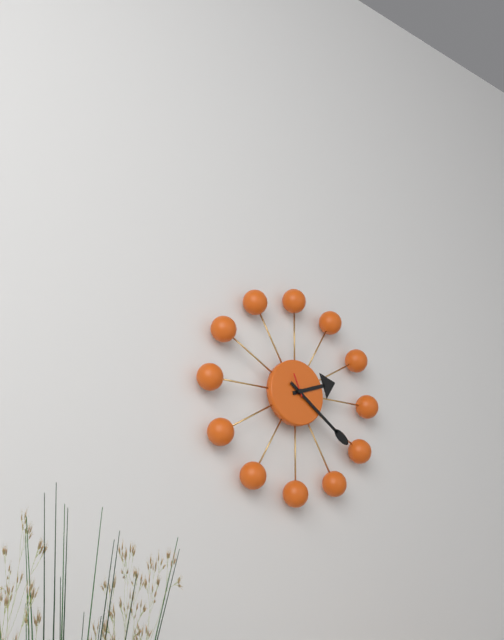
2:21
